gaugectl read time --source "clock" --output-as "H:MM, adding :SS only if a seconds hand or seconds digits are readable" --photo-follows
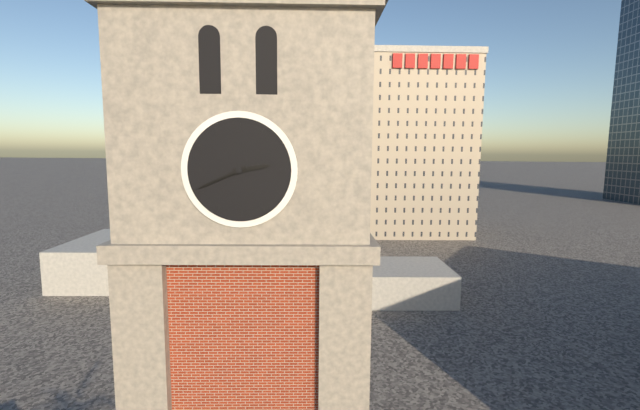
2:41
